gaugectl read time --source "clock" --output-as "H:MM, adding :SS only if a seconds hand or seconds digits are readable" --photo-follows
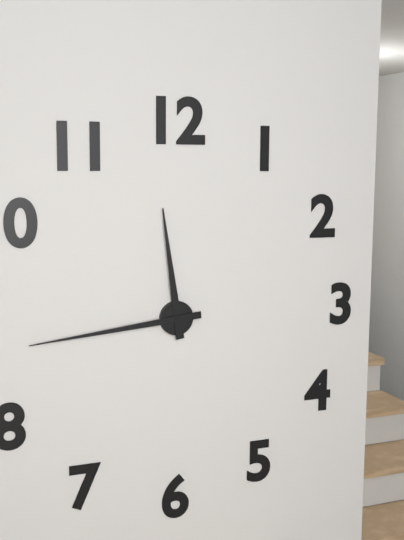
11:44
